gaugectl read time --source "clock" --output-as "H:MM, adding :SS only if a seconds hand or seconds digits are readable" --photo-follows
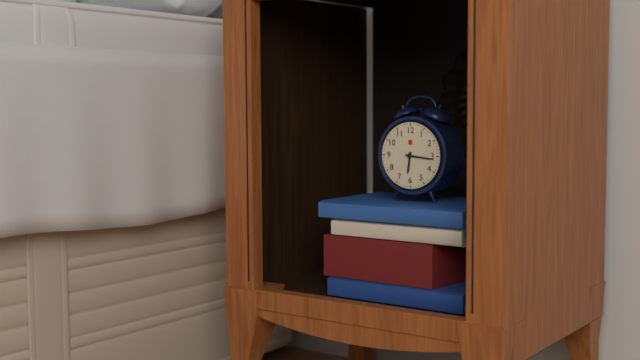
6:16
